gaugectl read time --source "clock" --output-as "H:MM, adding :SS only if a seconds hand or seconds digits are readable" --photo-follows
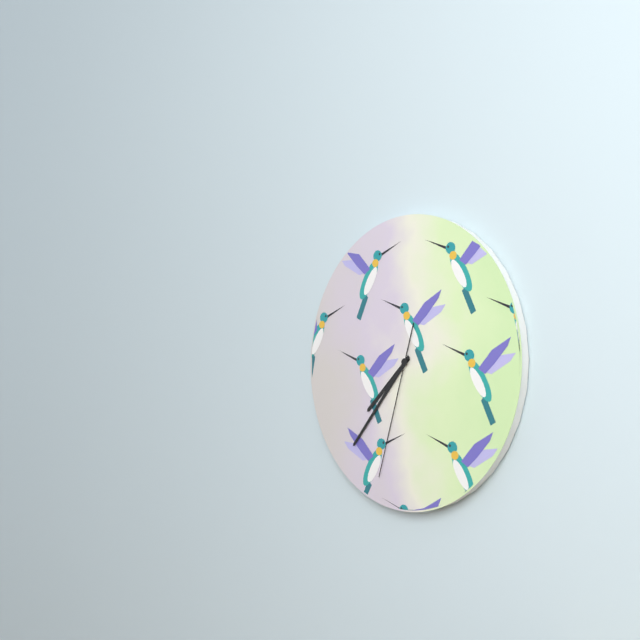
7:37:33
